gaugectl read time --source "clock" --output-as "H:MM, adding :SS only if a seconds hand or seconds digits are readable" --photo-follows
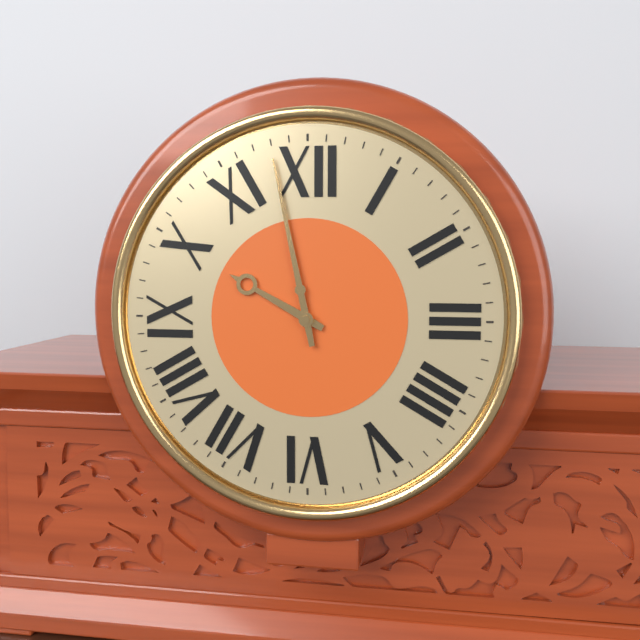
9:58
